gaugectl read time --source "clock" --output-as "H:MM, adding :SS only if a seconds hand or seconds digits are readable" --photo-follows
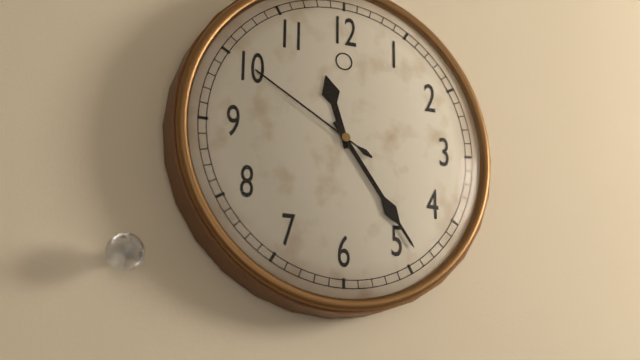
11:24:50
